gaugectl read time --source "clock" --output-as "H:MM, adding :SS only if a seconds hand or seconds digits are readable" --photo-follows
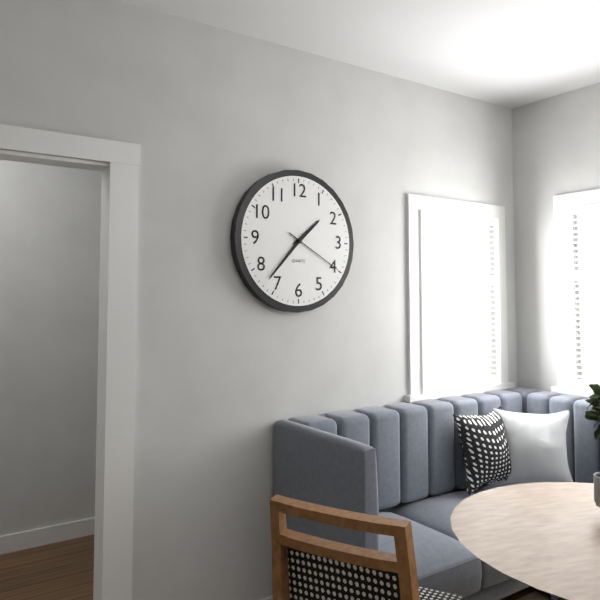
1:37:20
